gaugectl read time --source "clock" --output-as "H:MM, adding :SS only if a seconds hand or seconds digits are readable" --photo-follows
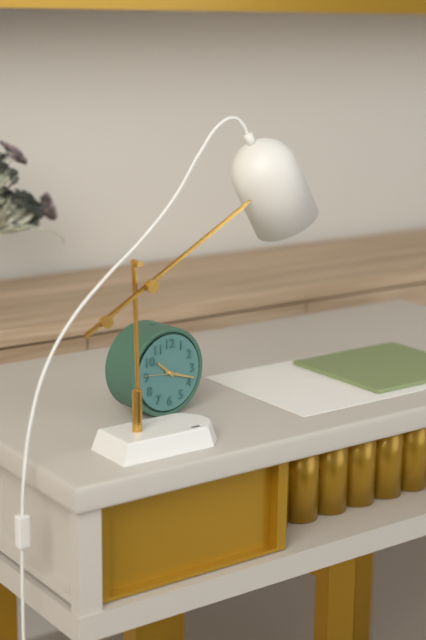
10:18
